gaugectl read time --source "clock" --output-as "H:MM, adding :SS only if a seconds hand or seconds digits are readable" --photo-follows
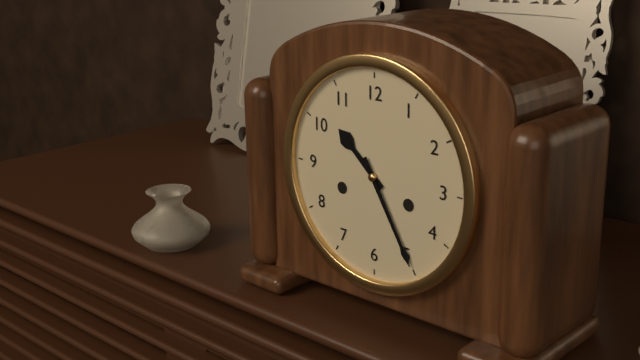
10:25
